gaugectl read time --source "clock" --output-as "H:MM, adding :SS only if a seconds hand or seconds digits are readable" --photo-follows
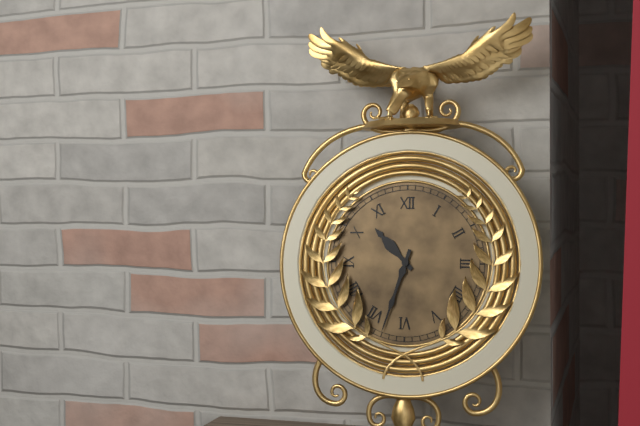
10:33
